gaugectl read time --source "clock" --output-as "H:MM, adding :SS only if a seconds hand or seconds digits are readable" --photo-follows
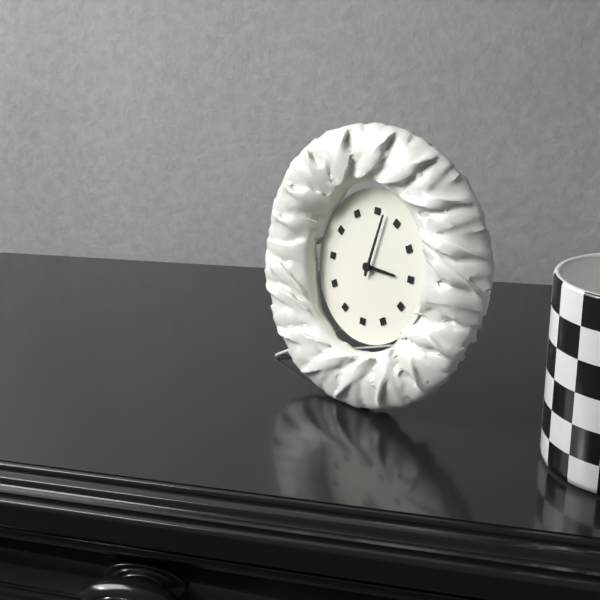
3:02
